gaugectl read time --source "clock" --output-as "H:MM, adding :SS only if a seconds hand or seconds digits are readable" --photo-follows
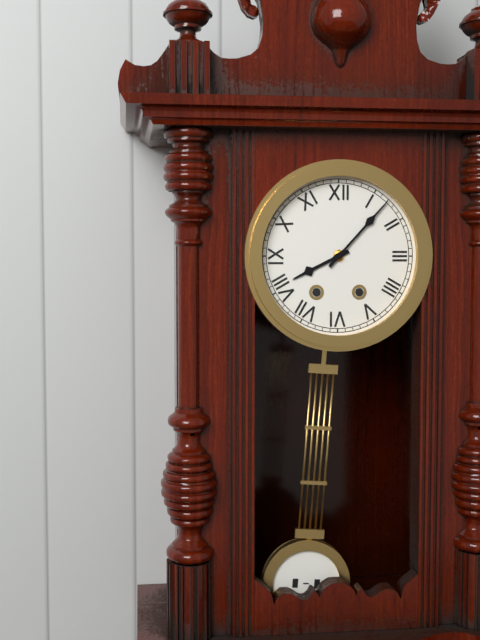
8:07
